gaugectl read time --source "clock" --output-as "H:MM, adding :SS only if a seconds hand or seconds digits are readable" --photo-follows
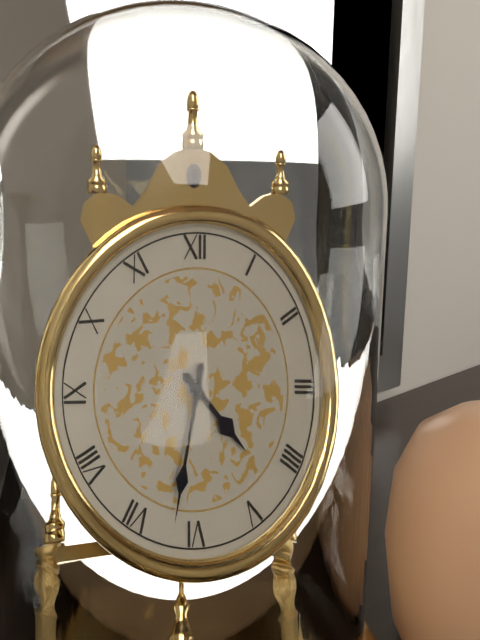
4:32
